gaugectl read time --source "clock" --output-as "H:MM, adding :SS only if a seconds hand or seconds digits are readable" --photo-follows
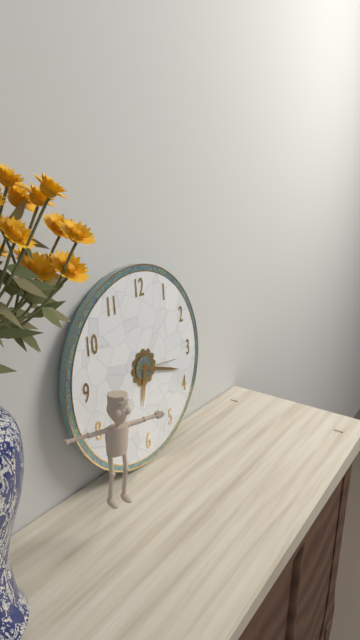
6:18
